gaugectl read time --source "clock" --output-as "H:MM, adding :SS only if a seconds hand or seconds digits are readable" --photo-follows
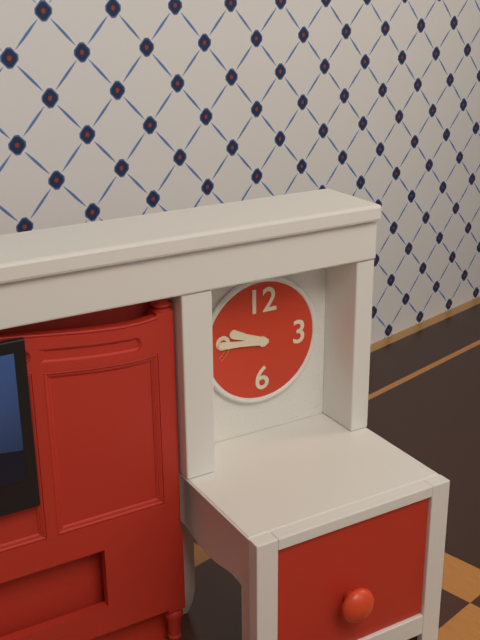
9:46
